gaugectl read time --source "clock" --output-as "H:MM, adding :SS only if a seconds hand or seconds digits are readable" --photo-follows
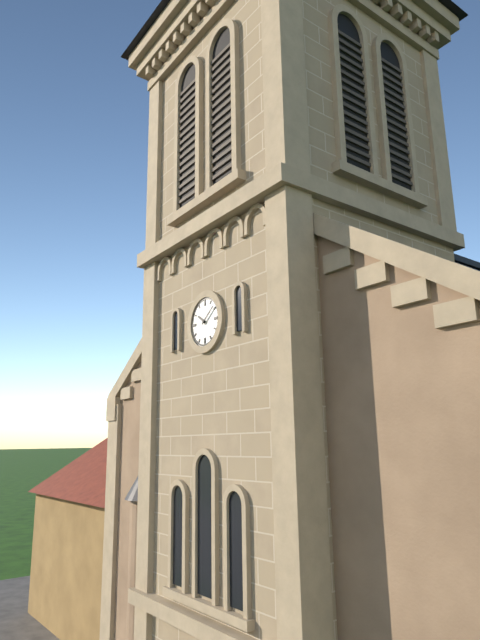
10:09
